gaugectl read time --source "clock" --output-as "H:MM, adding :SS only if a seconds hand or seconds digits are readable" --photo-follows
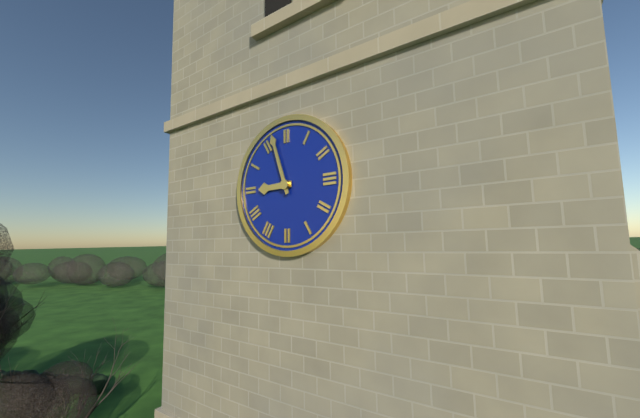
8:57
